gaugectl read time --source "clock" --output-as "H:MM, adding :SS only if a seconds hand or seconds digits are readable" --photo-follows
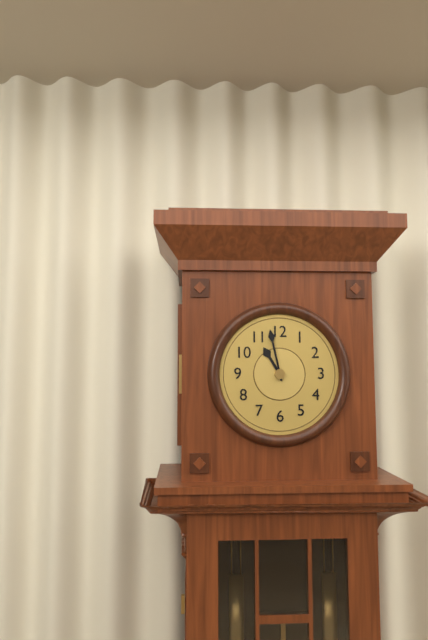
10:58
